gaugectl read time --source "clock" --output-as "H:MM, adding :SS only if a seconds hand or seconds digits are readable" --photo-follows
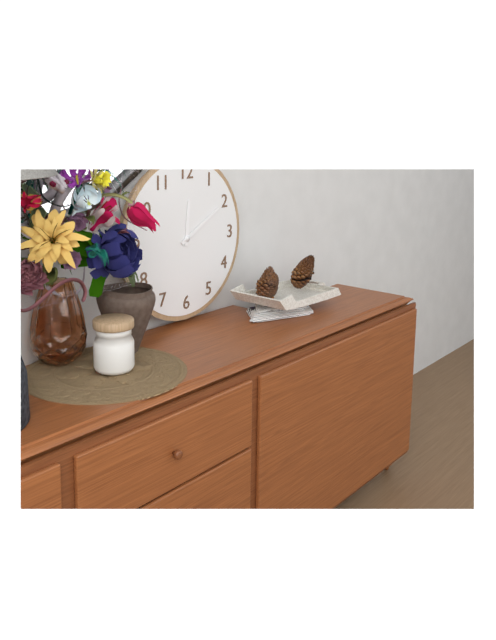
12:10
